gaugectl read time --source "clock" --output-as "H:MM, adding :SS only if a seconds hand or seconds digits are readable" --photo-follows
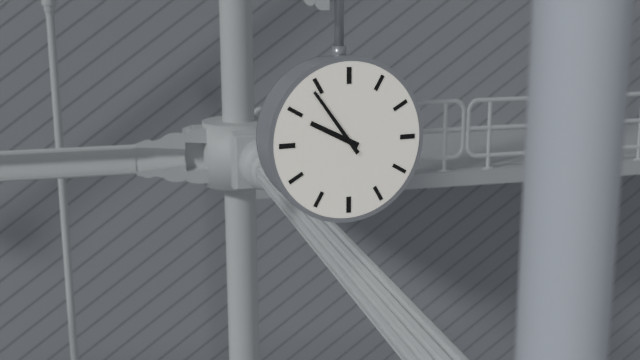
9:54
